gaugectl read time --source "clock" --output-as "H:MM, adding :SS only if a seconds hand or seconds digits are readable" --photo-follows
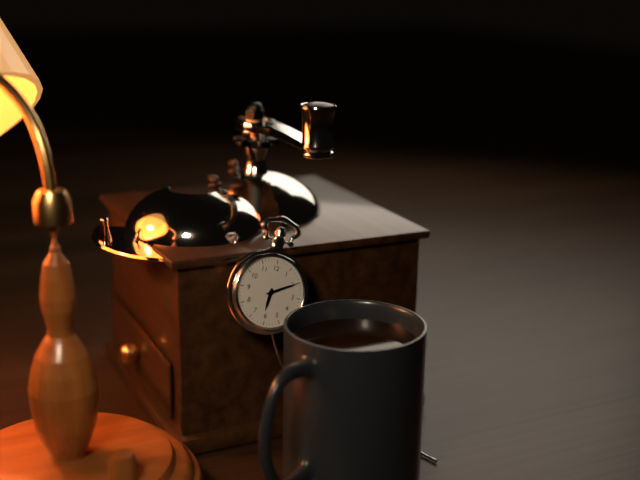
6:10
